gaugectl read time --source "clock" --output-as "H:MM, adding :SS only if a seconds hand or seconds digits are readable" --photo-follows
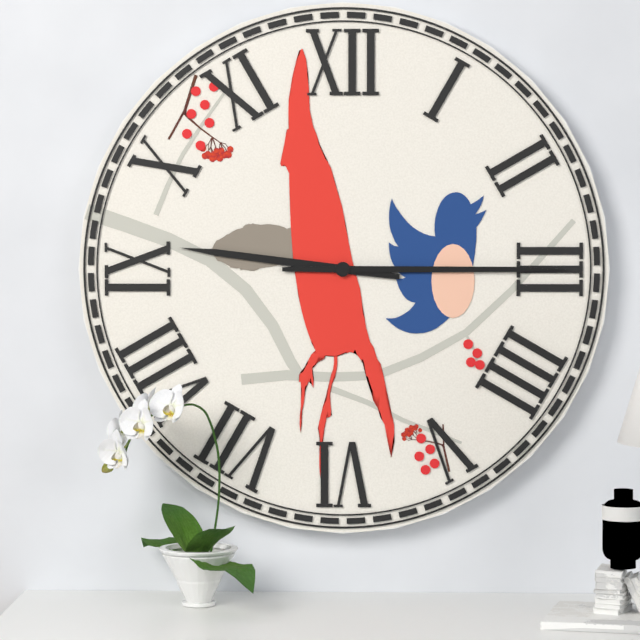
9:15
